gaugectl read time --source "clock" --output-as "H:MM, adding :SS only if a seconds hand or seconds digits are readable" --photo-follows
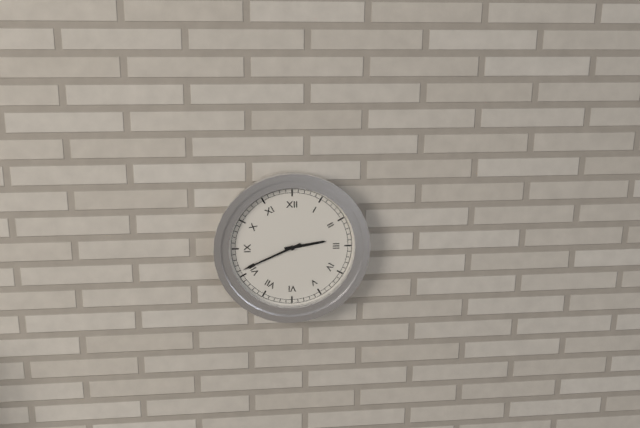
2:41
